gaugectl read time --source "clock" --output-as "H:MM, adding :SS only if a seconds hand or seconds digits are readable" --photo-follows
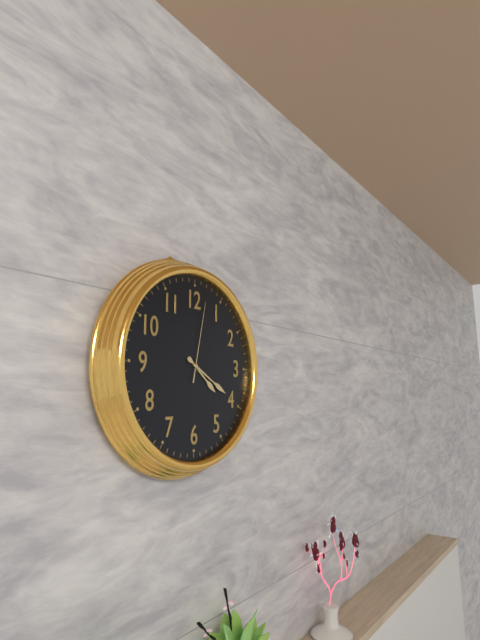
4:20:02
